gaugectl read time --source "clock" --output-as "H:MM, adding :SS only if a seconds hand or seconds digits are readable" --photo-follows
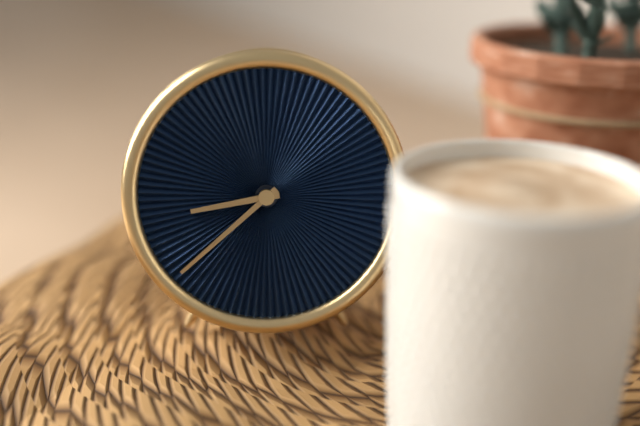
8:38
